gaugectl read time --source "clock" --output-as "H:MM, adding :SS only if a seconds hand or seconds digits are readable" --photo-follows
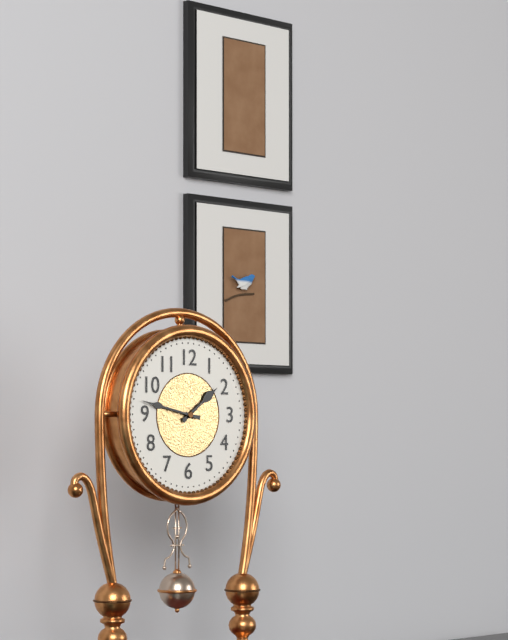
1:47
